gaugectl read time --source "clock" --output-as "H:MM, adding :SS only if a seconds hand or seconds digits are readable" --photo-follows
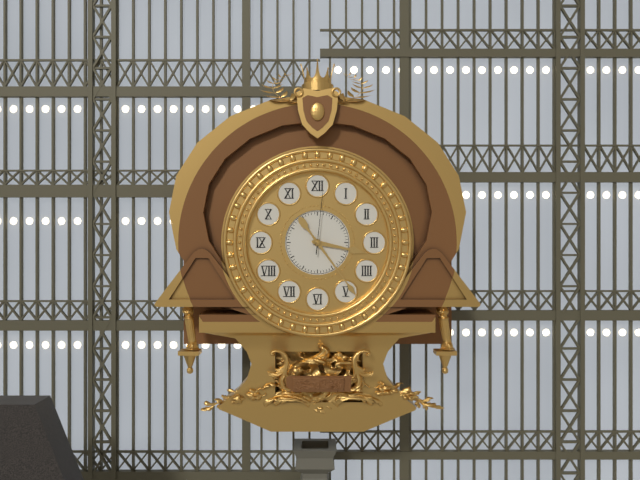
3:24:01
